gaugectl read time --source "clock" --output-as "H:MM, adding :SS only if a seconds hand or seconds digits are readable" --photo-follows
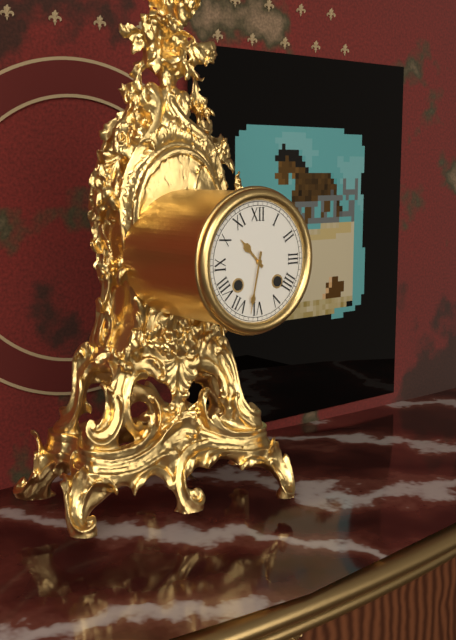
10:32
